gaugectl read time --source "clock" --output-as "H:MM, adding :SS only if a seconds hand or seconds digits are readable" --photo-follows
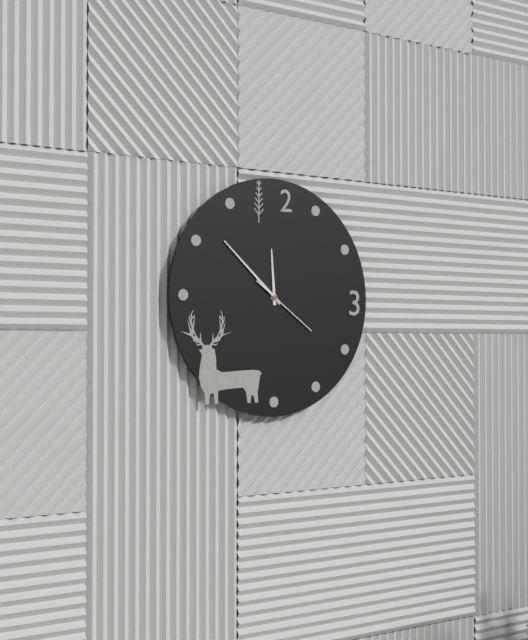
11:52:21
